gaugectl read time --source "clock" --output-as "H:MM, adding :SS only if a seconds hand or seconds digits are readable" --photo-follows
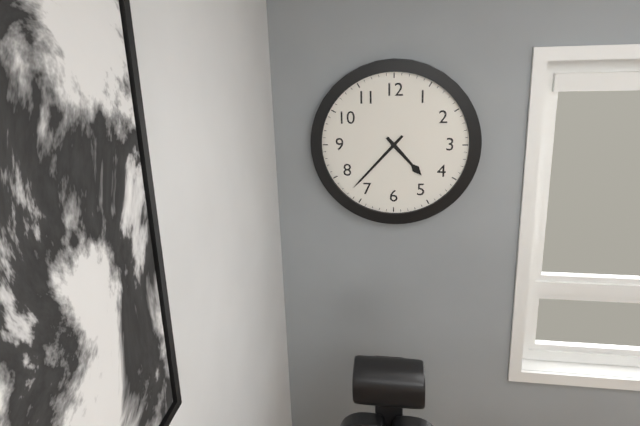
4:37
